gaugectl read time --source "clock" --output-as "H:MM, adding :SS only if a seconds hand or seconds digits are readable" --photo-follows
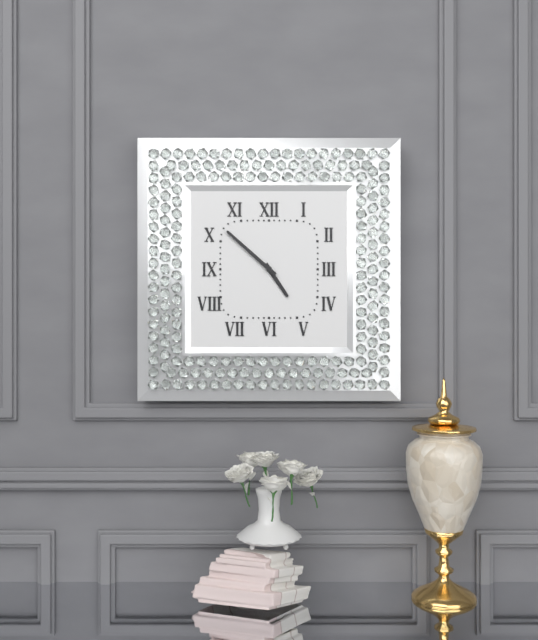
4:52
